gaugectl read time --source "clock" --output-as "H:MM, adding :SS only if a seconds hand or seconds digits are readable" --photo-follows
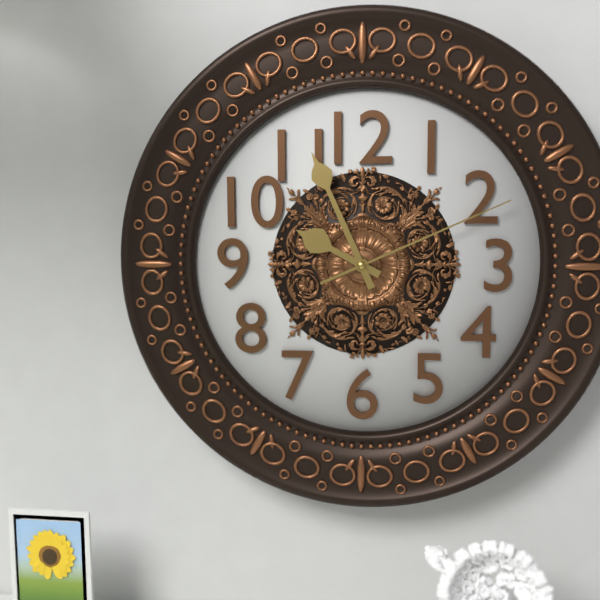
9:56:11
